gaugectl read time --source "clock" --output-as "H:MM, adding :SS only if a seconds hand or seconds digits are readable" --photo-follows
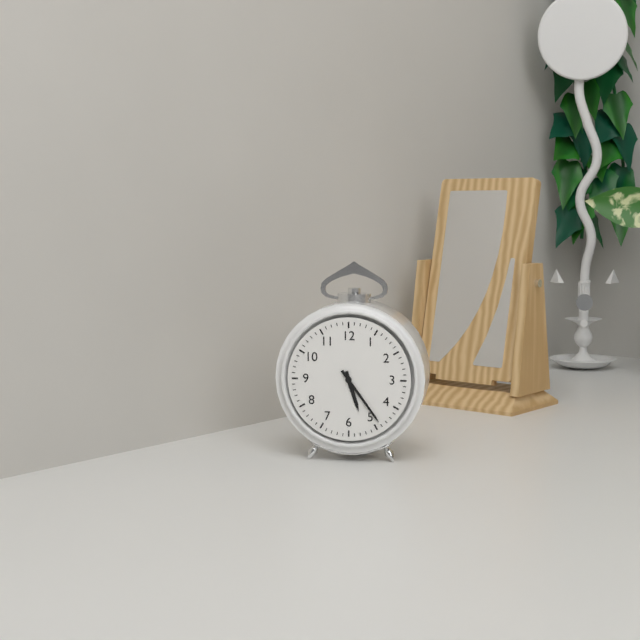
5:24
